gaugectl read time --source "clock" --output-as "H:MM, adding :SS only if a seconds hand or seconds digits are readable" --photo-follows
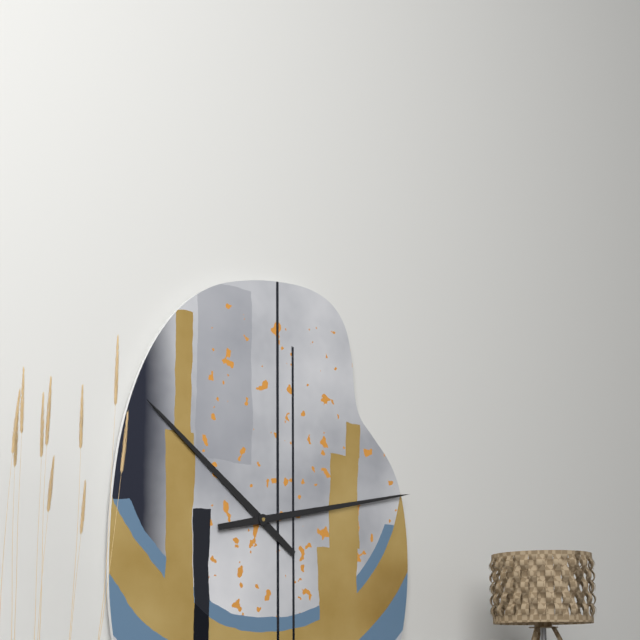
10:13
